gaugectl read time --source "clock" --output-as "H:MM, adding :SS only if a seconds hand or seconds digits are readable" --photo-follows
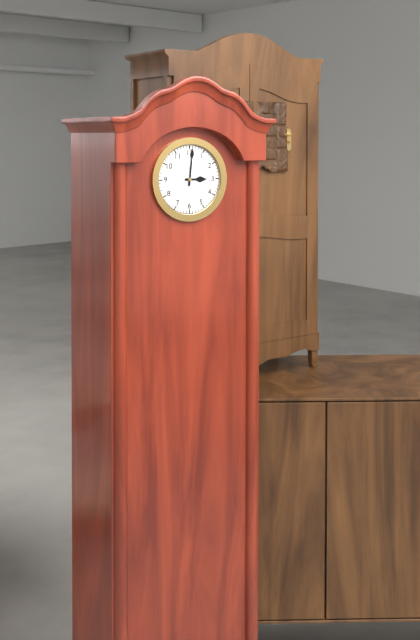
3:01
